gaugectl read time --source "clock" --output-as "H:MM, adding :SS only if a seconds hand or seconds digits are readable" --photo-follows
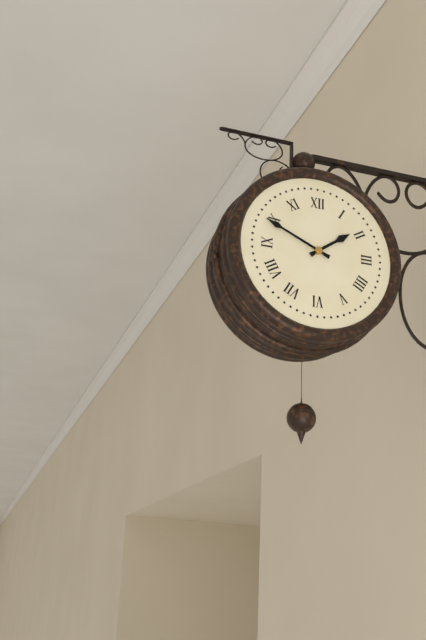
1:49
